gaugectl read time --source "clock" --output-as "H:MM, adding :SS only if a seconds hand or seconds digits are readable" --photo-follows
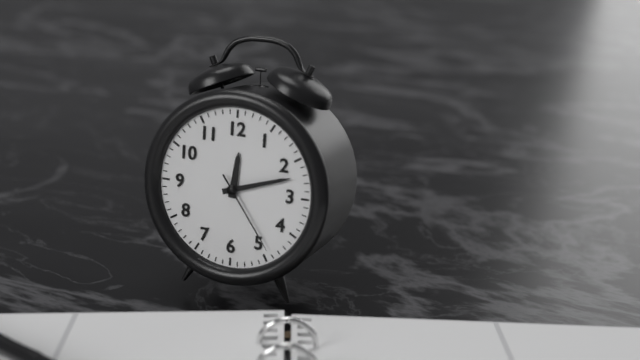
12:12:24
